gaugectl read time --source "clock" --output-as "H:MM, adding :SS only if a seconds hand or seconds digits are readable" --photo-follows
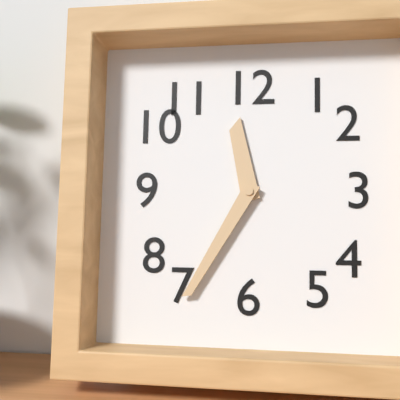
11:35
